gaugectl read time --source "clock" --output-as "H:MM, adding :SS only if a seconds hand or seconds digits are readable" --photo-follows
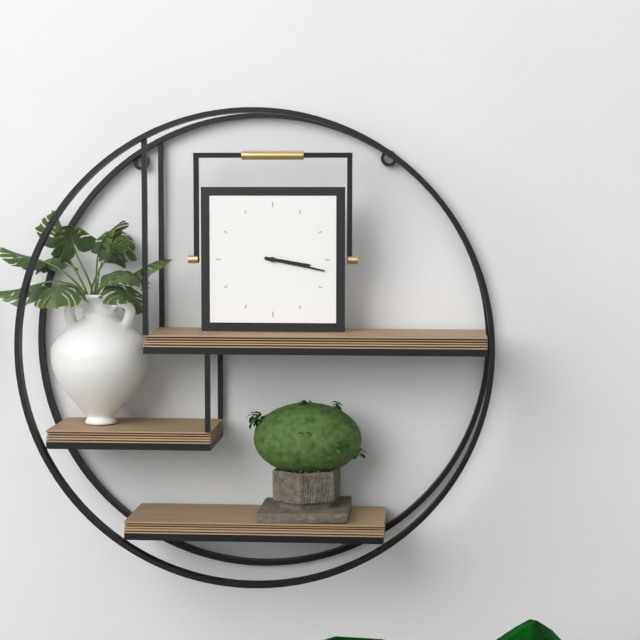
3:17
